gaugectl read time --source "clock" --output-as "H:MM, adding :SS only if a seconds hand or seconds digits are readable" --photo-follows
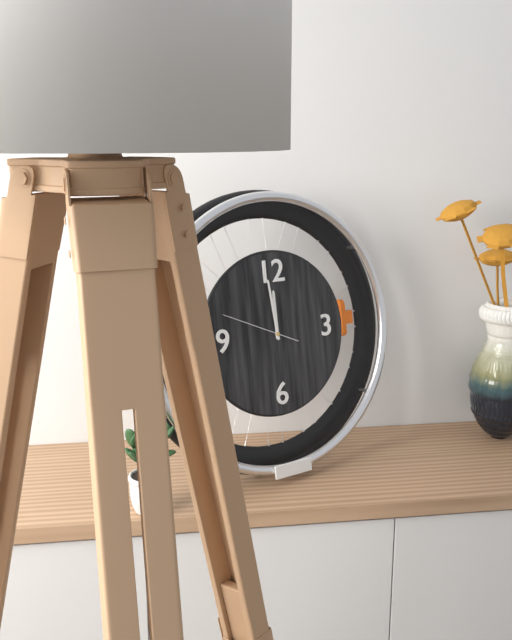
11:59:49
